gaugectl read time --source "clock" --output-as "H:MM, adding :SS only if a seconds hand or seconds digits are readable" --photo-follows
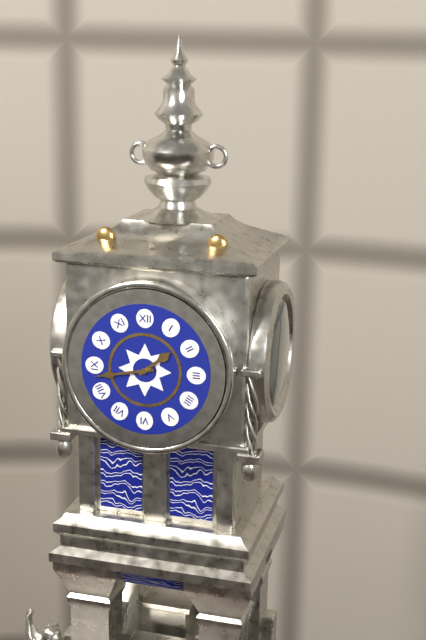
1:43
